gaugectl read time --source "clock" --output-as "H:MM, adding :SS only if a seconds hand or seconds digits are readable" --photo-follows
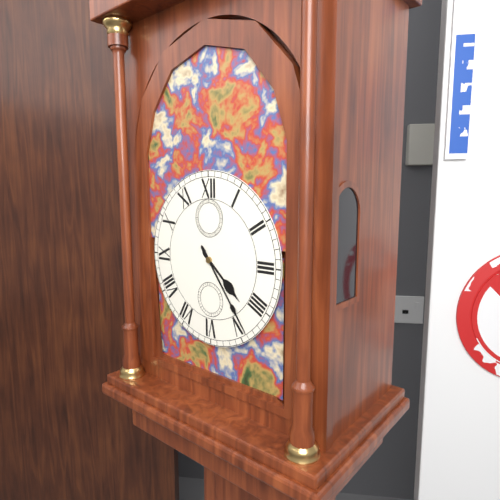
4:24
